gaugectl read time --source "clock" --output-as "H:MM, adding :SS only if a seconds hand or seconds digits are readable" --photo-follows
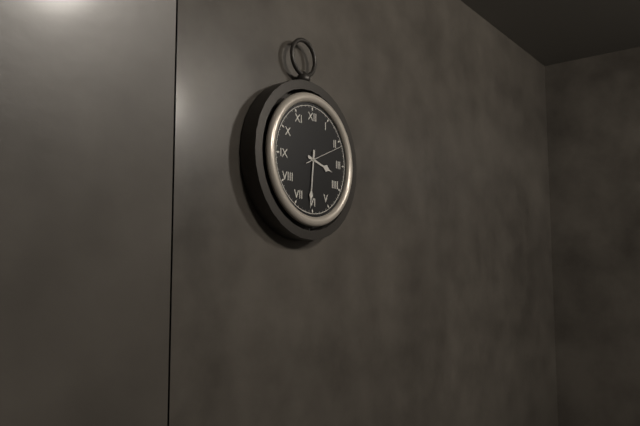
3:31
